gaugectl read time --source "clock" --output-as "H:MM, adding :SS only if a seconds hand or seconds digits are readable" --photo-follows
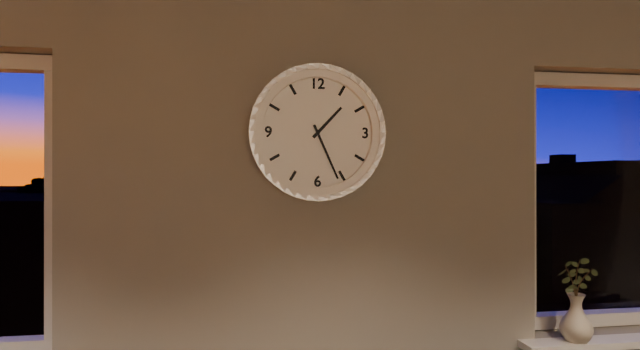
1:26
